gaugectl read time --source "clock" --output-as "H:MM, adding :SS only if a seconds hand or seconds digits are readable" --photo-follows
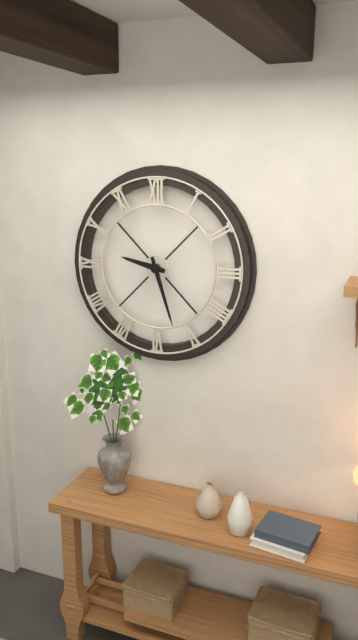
9:27
